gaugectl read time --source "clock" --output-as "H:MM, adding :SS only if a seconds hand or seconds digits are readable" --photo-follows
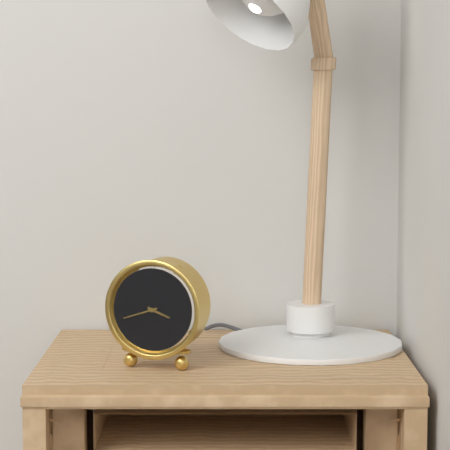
3:42
